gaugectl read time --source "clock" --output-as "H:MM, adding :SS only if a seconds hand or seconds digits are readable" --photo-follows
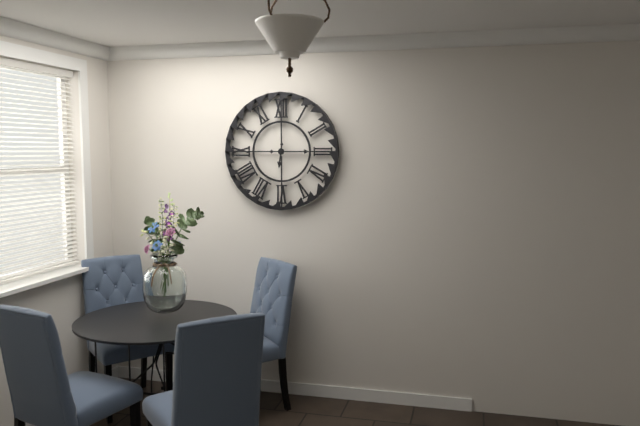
6:15
